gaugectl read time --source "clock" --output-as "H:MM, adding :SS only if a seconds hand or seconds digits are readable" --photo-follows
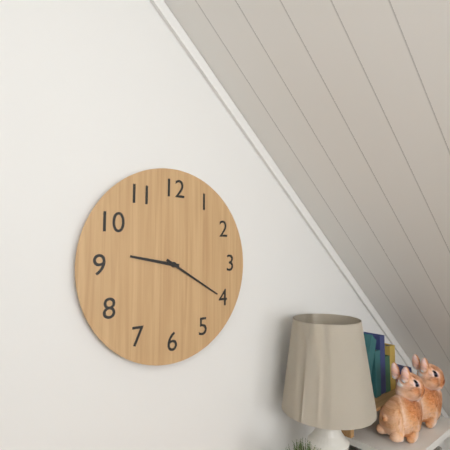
9:20
